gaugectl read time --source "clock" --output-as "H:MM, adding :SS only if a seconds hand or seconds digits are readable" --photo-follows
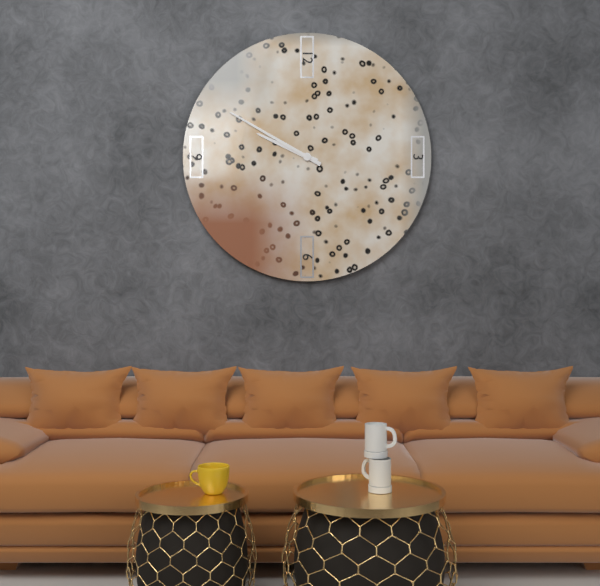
9:50
